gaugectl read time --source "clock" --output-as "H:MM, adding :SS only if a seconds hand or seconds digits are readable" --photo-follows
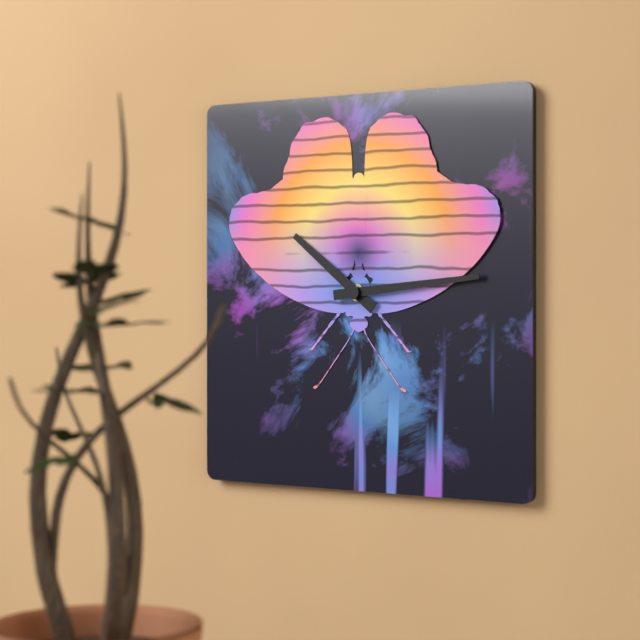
10:14
